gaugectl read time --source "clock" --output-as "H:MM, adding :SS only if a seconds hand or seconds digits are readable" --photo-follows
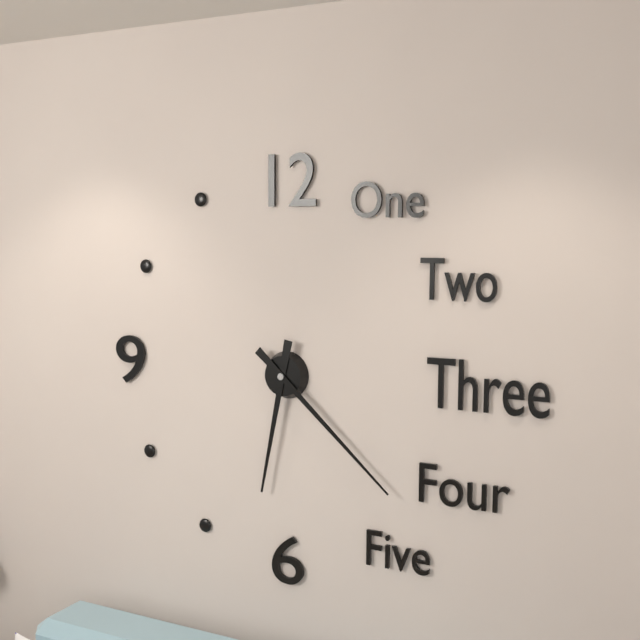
6:22
